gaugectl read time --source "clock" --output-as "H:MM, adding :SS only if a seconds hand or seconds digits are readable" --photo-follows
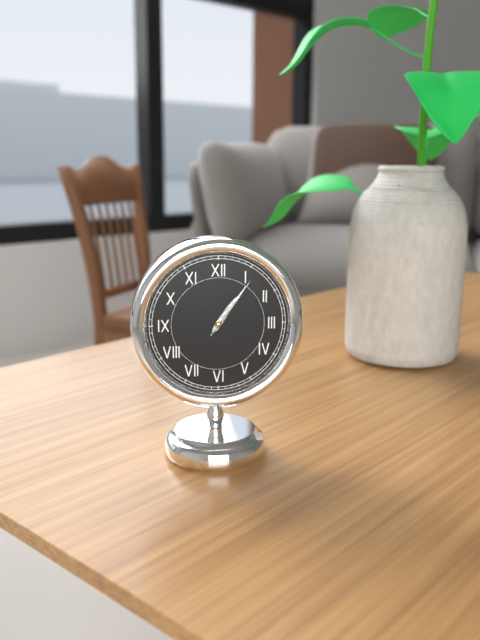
1:06:06
